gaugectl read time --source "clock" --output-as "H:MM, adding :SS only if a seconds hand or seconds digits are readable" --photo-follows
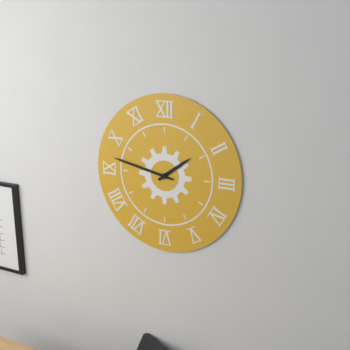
1:47
